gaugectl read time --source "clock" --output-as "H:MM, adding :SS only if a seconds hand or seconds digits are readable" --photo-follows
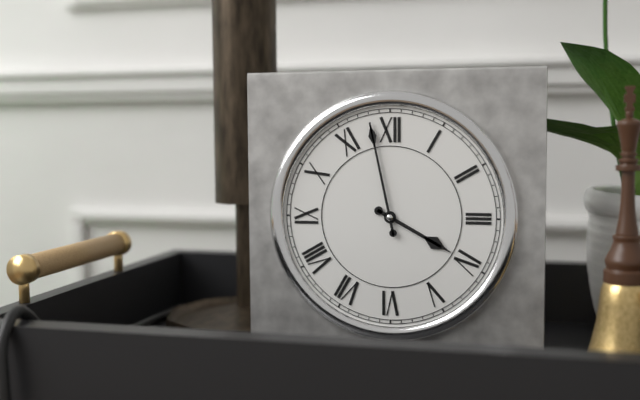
3:58
